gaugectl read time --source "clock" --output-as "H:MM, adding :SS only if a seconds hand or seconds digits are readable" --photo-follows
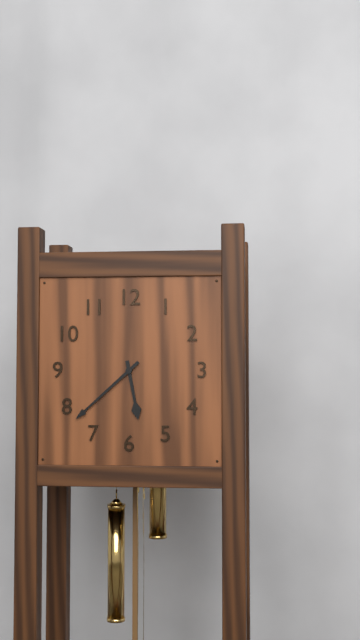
5:38
